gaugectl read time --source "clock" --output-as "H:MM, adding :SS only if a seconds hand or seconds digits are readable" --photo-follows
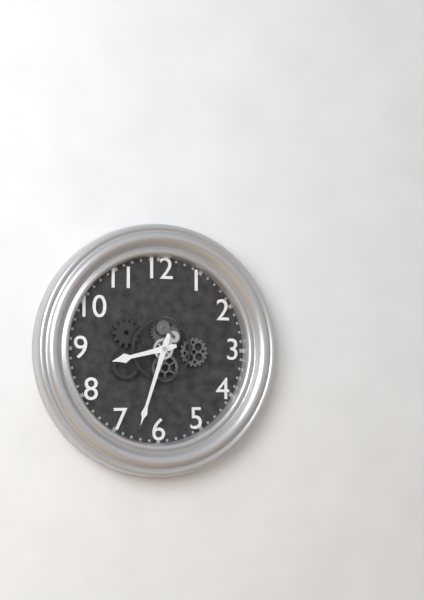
8:33
